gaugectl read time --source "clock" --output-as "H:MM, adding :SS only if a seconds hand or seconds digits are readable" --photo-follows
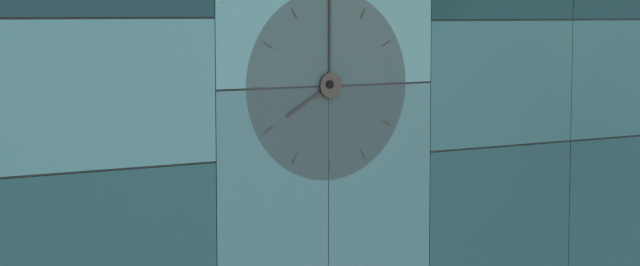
8:00
